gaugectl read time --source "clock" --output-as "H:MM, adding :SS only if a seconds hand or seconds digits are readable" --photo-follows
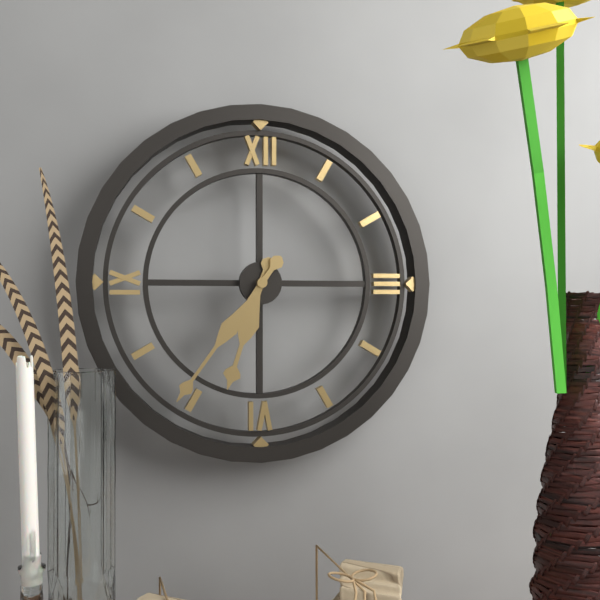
6:36
